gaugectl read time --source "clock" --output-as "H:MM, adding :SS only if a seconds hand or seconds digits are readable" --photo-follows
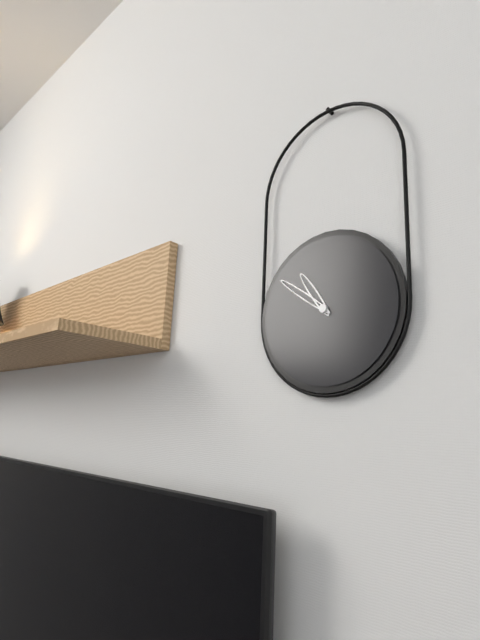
10:51
